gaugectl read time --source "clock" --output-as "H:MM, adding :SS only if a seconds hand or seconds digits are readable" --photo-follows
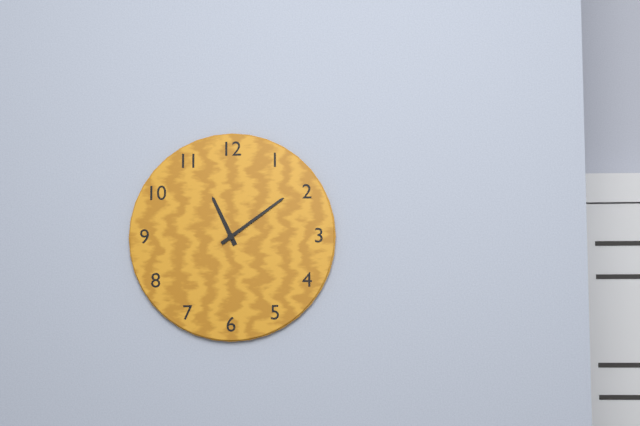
11:09
